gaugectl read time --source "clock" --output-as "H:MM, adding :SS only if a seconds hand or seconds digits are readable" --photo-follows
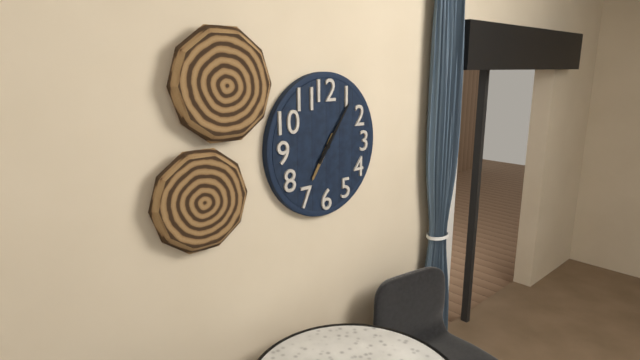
7:06
